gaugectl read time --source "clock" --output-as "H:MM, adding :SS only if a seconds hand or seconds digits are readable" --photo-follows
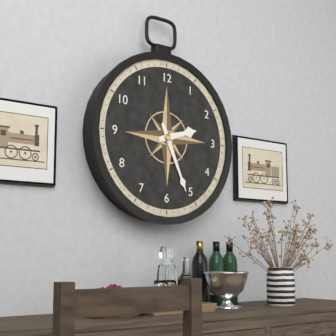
2:26
